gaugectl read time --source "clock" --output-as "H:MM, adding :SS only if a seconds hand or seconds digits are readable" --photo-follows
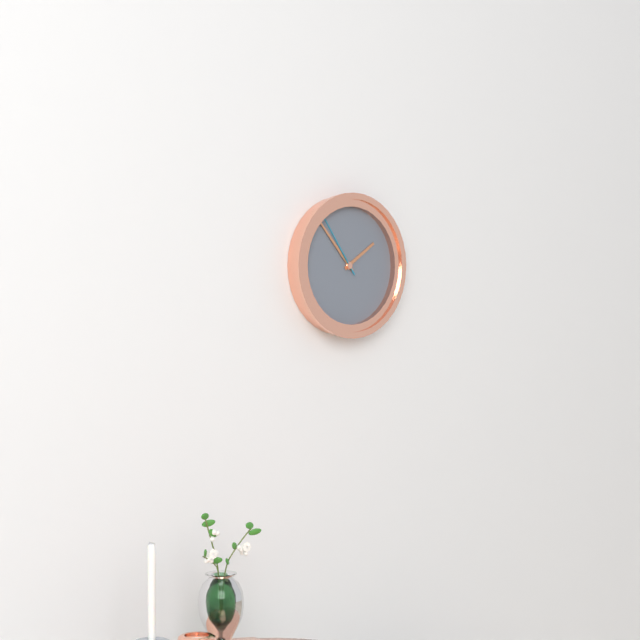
1:53:54
